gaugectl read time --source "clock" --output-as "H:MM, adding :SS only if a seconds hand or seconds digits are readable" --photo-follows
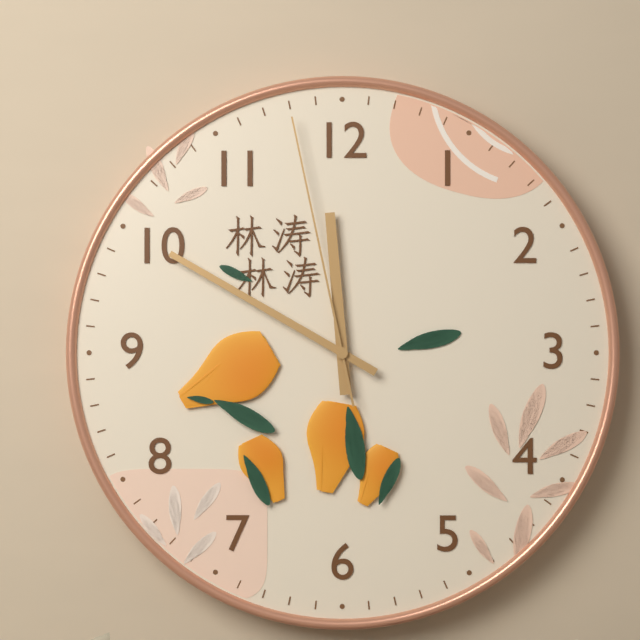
11:50:58
